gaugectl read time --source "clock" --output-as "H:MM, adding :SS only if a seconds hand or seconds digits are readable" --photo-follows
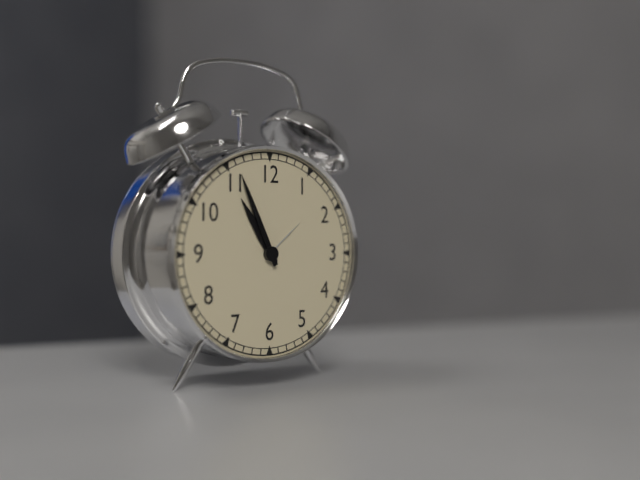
10:56
